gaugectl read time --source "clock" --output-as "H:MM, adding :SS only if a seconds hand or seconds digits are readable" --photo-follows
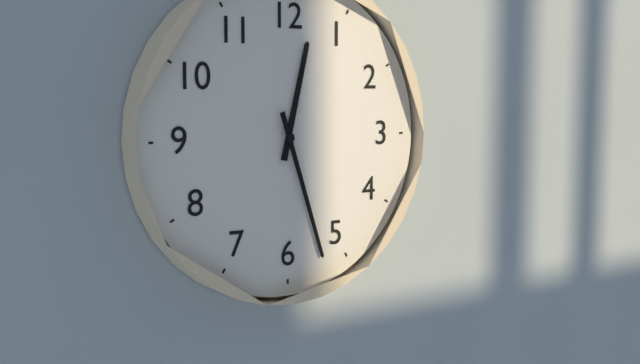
12:27
